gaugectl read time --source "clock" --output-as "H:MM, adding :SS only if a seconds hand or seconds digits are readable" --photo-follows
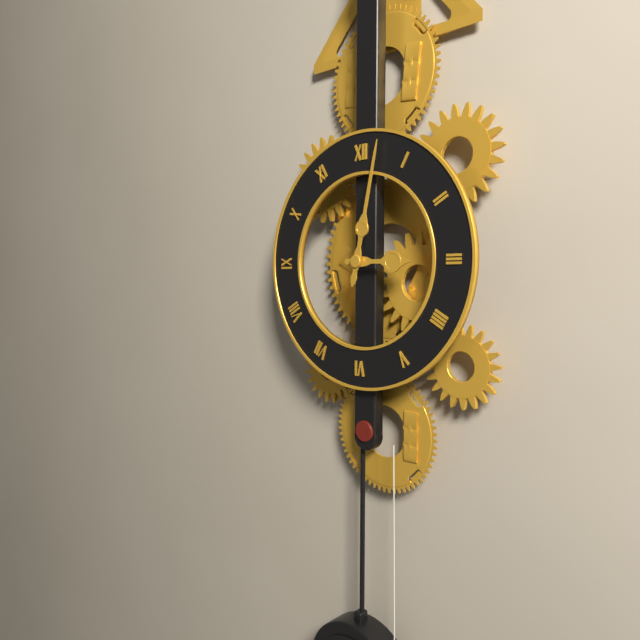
3:02
